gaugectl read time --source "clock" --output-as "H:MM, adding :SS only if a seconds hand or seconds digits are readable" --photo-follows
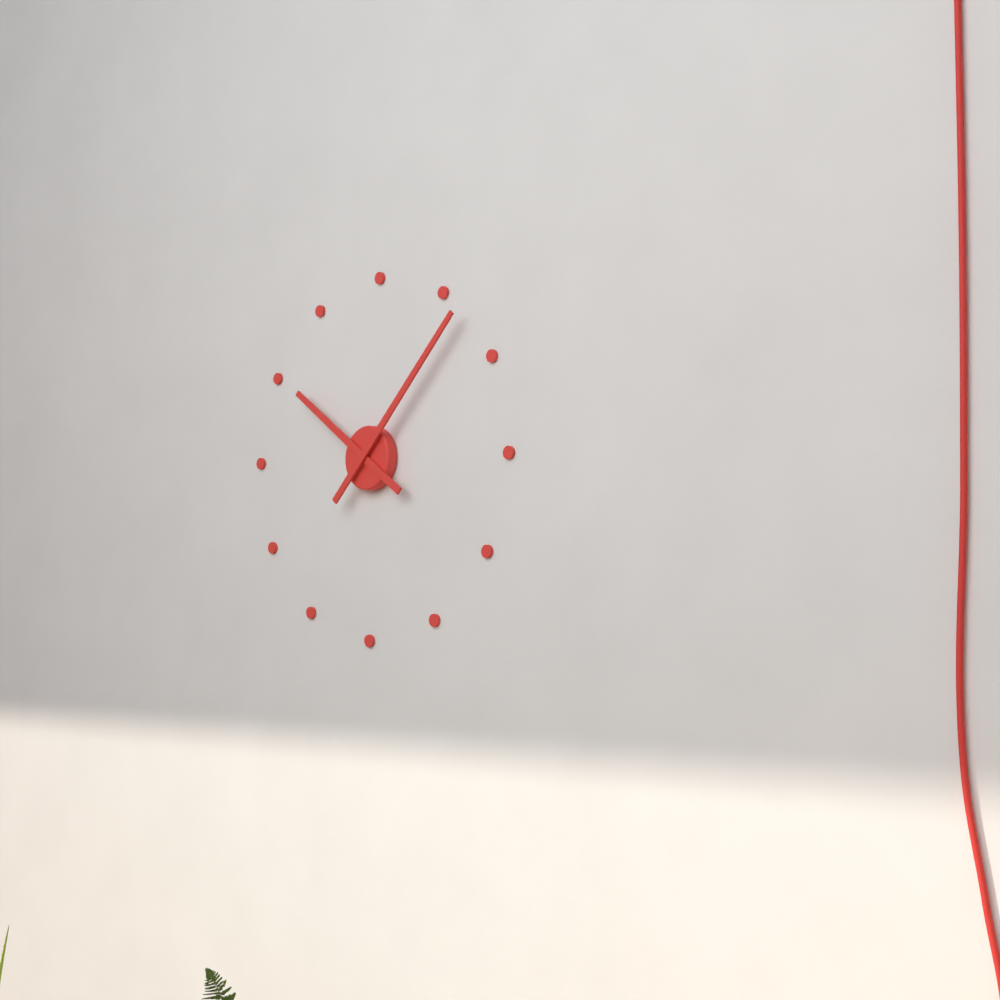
10:07
